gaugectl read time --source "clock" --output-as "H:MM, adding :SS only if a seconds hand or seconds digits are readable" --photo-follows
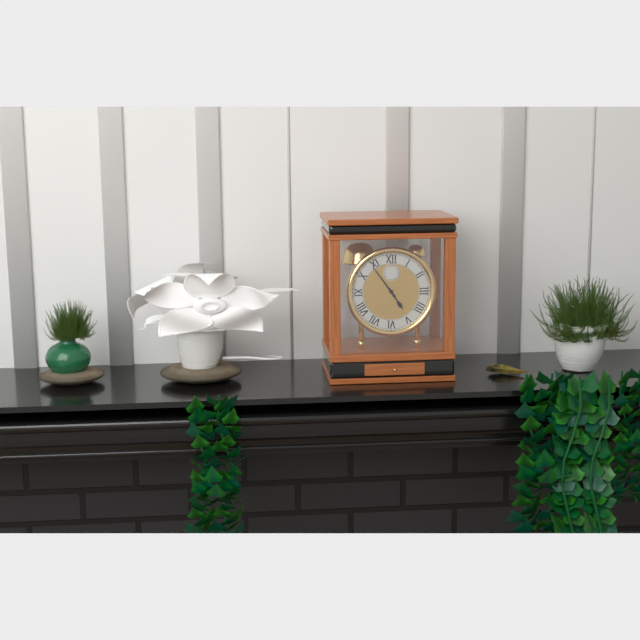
4:54
